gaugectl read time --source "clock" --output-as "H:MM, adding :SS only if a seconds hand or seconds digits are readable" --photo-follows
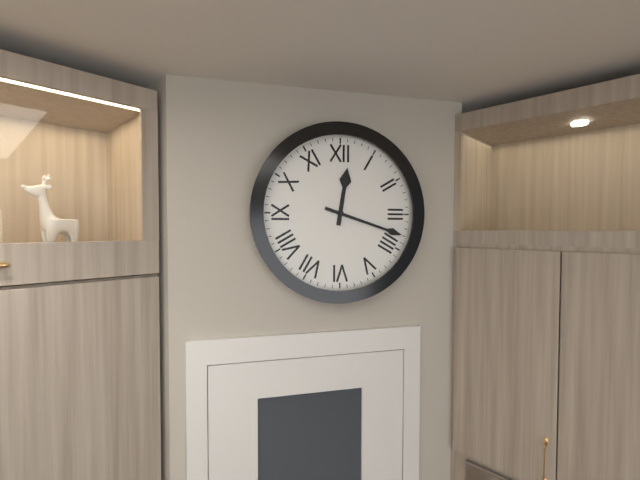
12:18
